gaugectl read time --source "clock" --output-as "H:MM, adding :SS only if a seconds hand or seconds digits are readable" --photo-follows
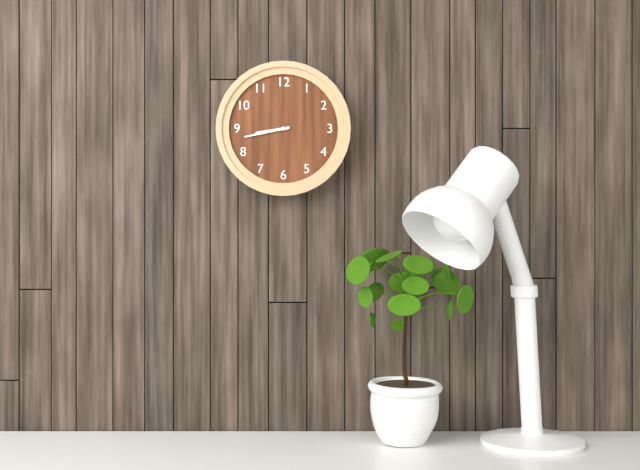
8:43
